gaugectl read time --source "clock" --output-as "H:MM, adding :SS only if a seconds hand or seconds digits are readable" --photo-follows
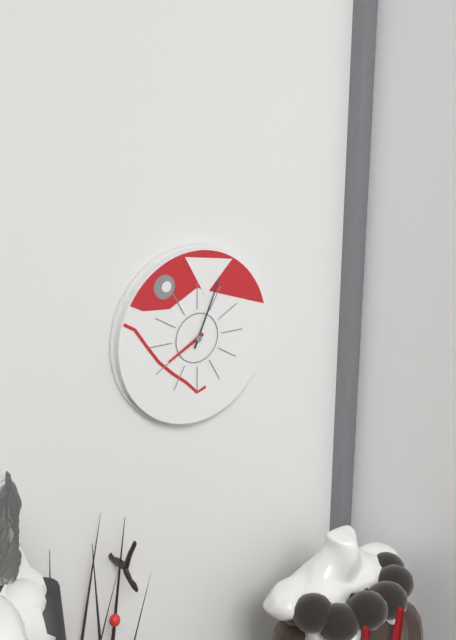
8:04
